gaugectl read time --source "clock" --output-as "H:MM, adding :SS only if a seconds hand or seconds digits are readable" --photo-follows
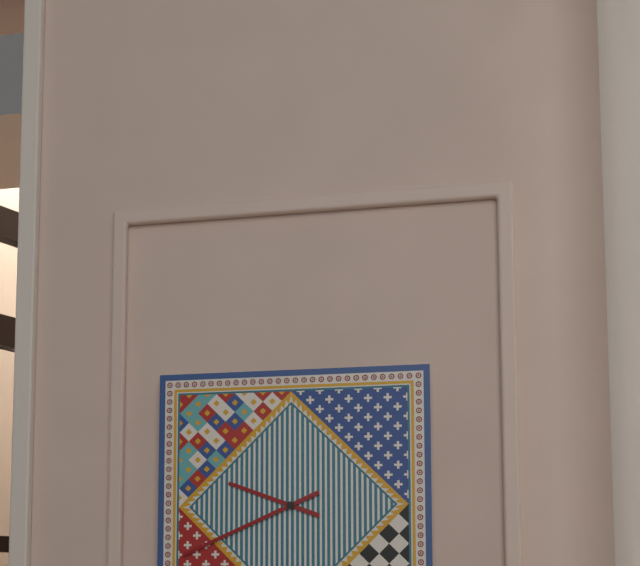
9:41
